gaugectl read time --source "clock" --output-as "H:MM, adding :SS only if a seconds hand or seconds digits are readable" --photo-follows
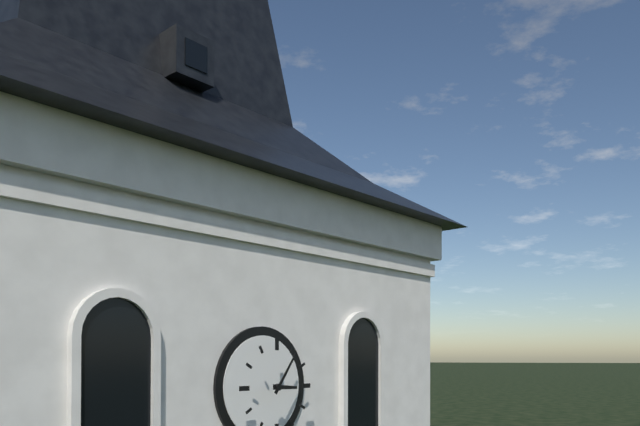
3:06
